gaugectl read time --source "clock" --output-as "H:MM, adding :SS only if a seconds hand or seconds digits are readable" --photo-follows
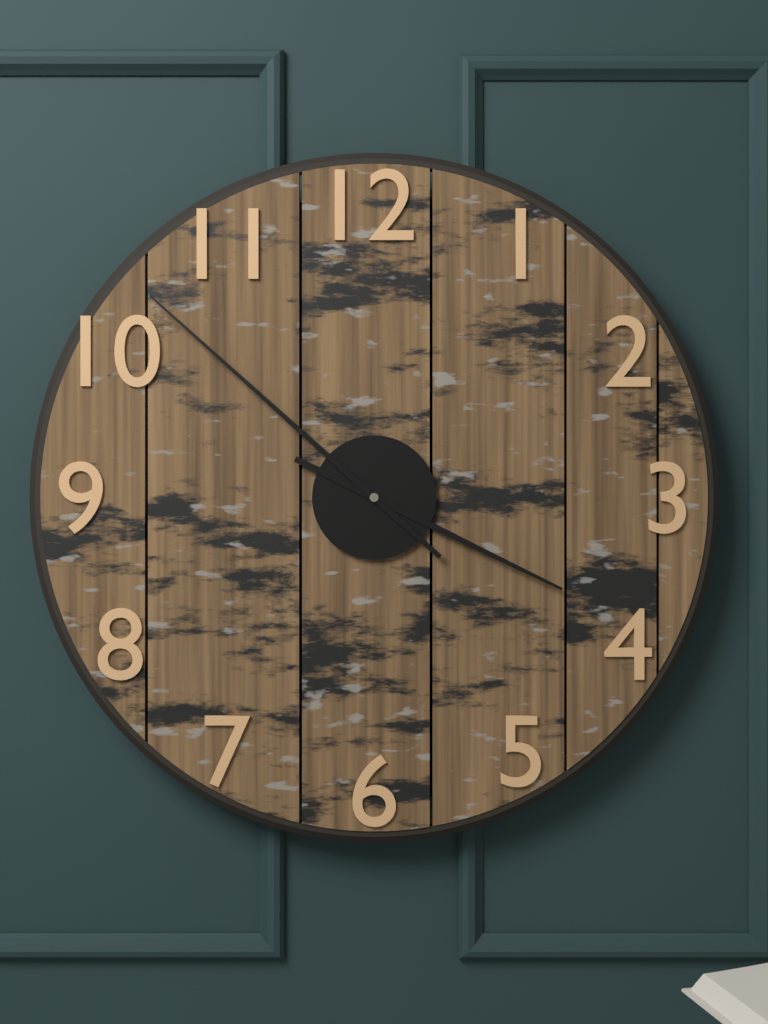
3:52
